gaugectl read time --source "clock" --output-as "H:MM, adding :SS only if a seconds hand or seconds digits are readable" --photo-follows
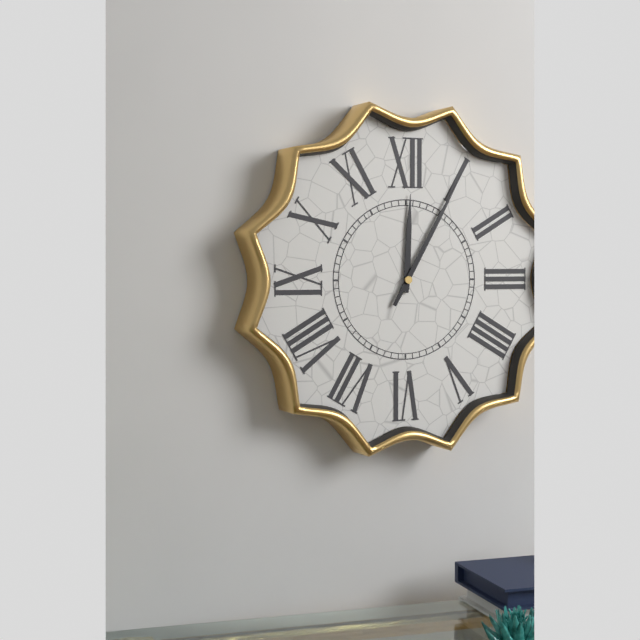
12:05
